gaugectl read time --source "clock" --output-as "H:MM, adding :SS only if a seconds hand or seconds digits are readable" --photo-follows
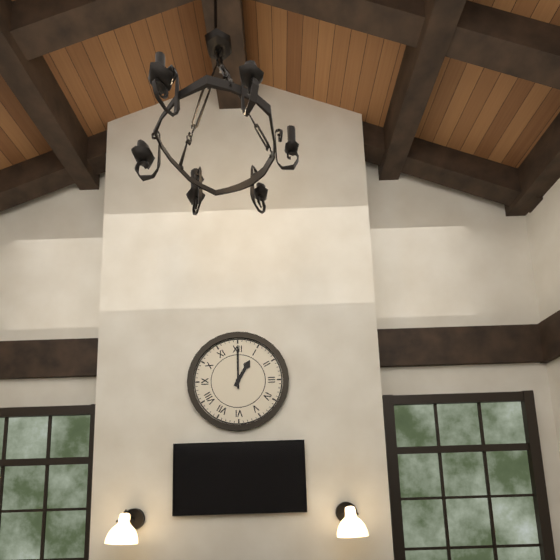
1:00
